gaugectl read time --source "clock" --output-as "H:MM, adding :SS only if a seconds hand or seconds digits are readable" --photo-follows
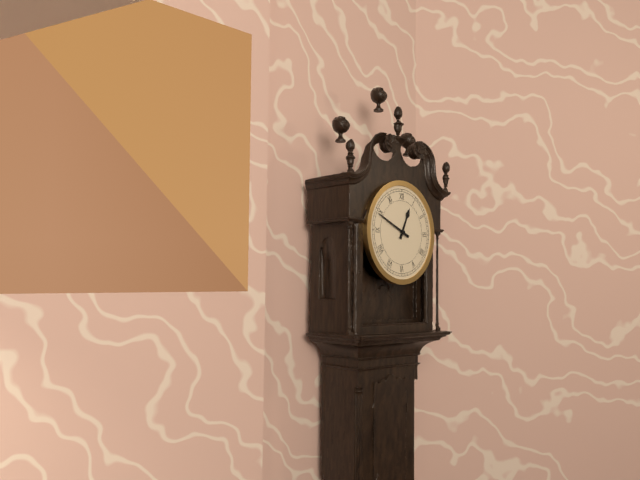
12:49
